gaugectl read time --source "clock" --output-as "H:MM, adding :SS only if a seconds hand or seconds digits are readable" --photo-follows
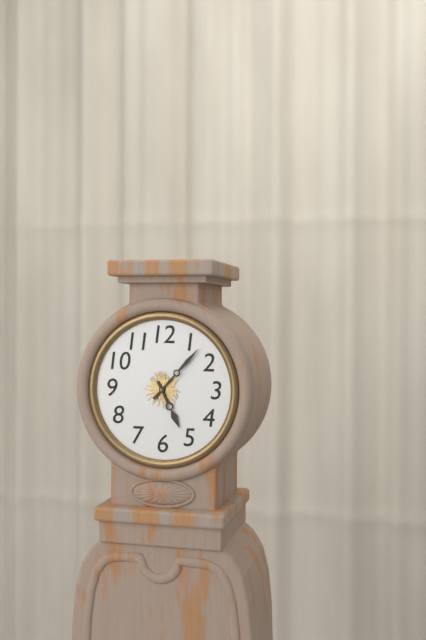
5:07
